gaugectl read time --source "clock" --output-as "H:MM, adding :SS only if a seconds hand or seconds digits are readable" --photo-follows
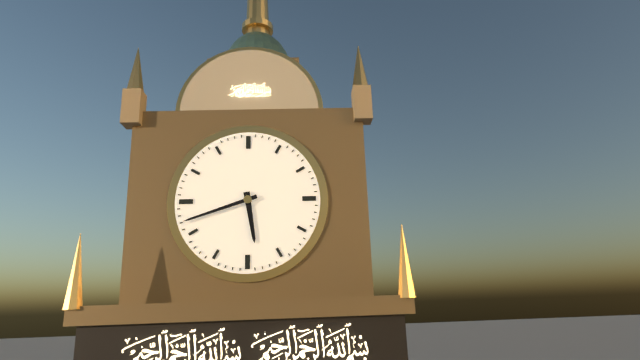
5:42
